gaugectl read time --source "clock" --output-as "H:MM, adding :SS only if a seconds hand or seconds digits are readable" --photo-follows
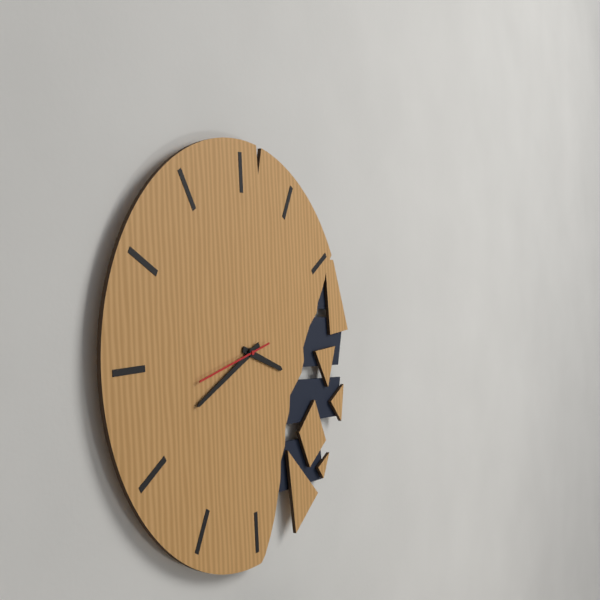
3:41:43
